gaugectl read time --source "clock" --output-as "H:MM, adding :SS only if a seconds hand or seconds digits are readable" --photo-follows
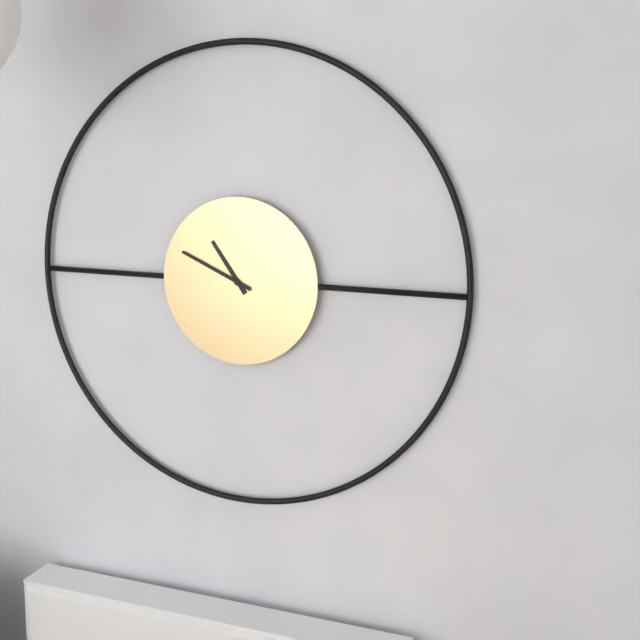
10:49
